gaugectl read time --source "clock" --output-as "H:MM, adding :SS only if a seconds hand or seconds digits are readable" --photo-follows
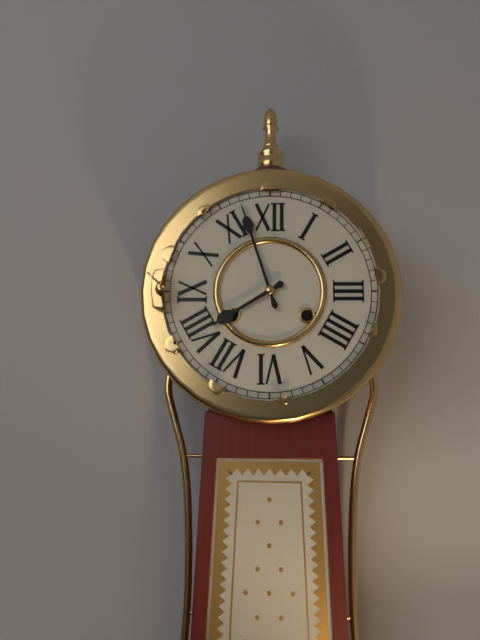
7:57
